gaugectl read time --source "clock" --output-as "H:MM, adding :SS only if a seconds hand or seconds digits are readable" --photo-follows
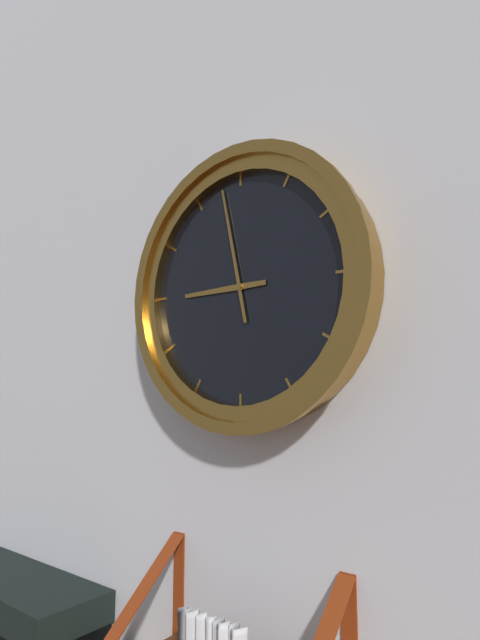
8:58
